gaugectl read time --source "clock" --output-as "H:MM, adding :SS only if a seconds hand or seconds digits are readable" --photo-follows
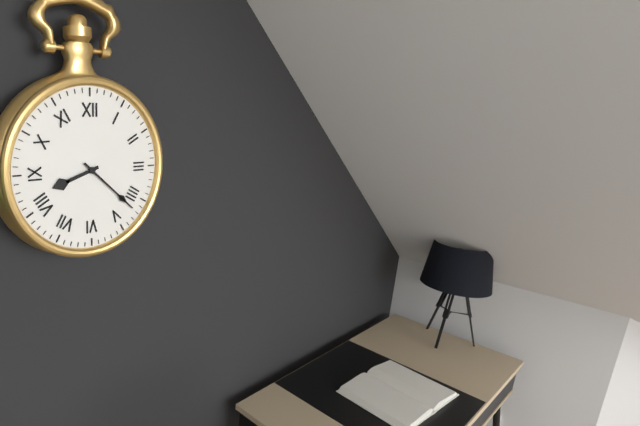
8:22
